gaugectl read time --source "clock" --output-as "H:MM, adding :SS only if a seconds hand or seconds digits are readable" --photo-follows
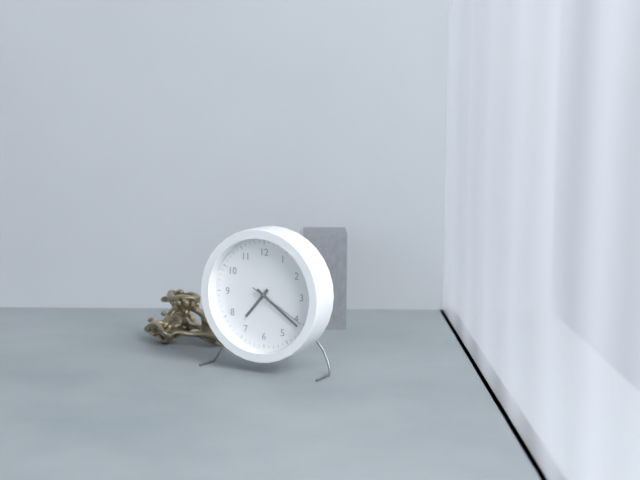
7:21:20
